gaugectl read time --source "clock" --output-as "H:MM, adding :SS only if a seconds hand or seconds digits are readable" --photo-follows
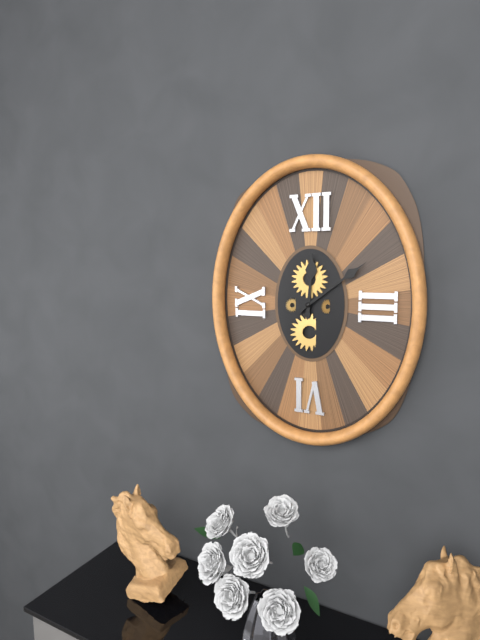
12:09
